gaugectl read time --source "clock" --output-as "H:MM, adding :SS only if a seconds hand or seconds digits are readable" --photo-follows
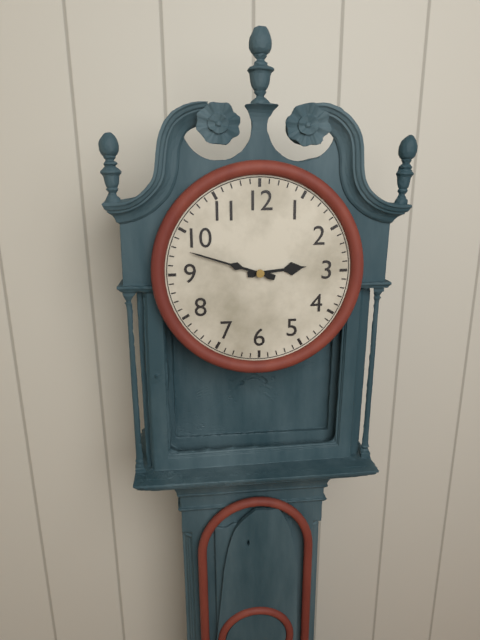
2:48
